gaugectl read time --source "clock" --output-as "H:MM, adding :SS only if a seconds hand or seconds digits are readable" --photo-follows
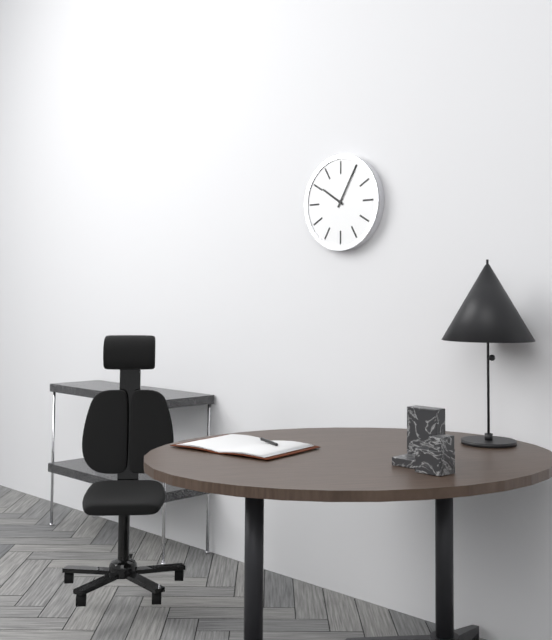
10:05
